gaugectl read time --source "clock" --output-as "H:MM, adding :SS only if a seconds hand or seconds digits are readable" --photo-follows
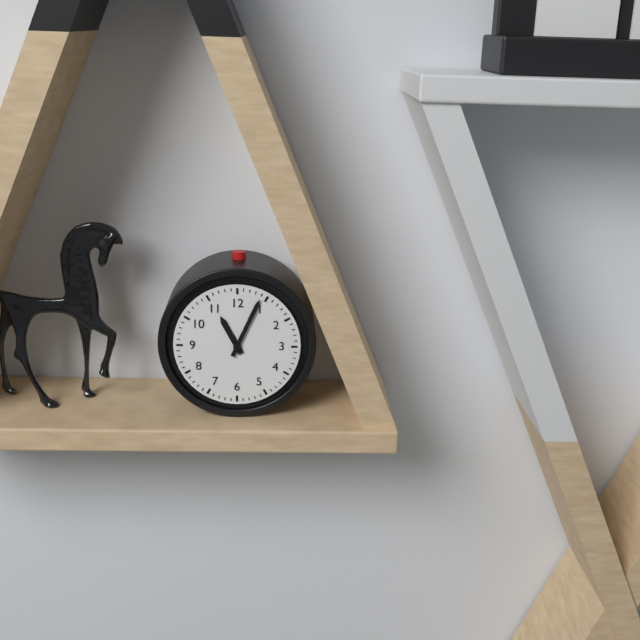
11:04
